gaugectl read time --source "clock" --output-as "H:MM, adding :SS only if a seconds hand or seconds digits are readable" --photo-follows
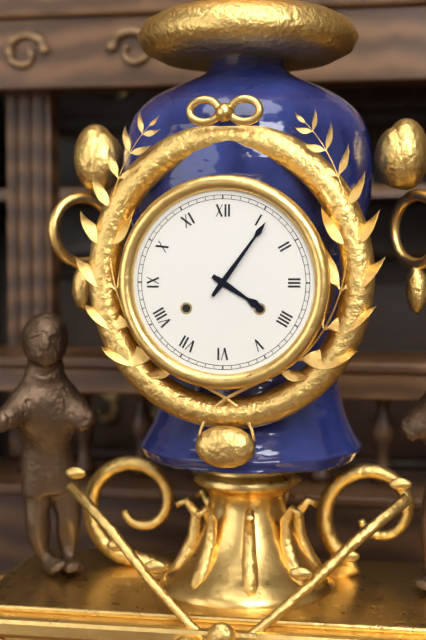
4:06
